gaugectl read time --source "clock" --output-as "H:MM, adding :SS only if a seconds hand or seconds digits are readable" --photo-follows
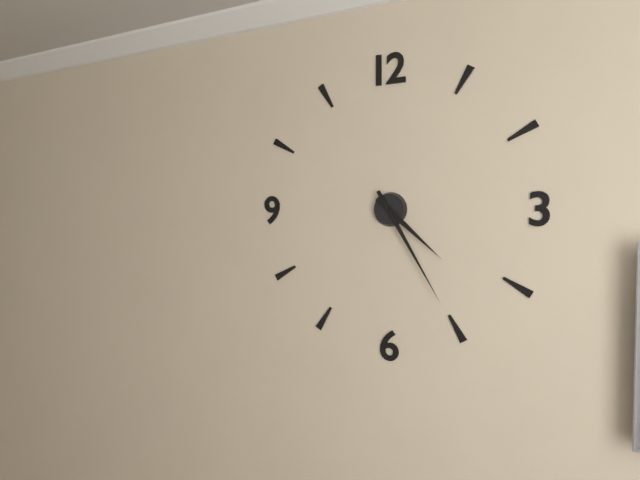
4:25
